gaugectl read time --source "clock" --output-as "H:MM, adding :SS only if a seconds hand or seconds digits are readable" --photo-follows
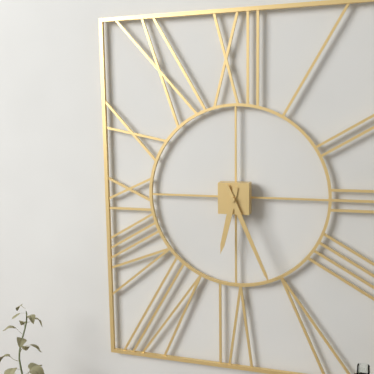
6:26
